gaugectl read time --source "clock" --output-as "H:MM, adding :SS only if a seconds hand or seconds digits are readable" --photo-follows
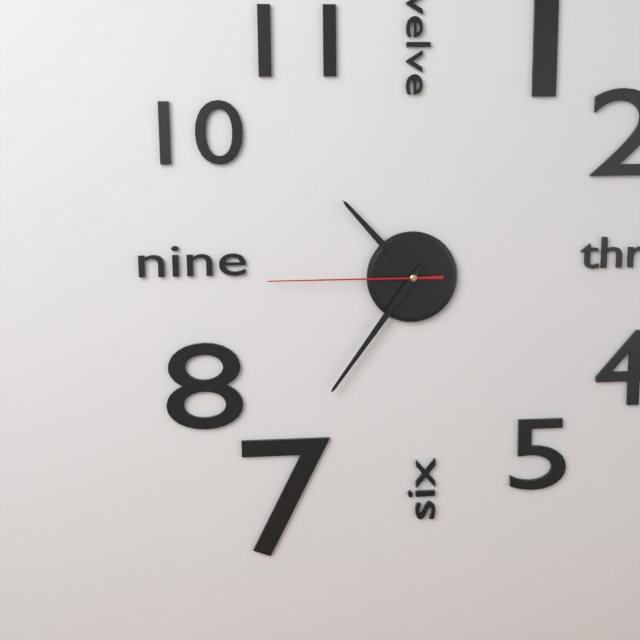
10:36:45
